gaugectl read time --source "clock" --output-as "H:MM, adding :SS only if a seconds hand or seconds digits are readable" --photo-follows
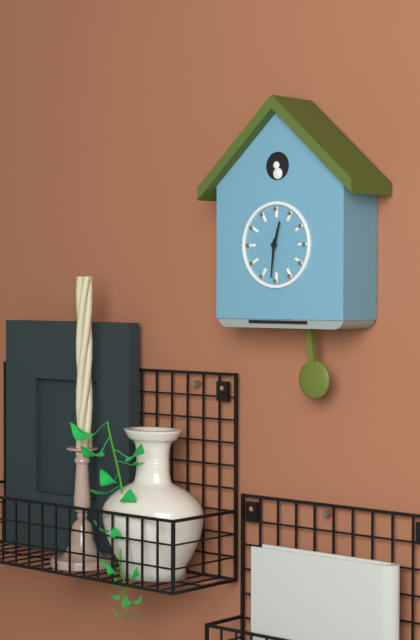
12:31
